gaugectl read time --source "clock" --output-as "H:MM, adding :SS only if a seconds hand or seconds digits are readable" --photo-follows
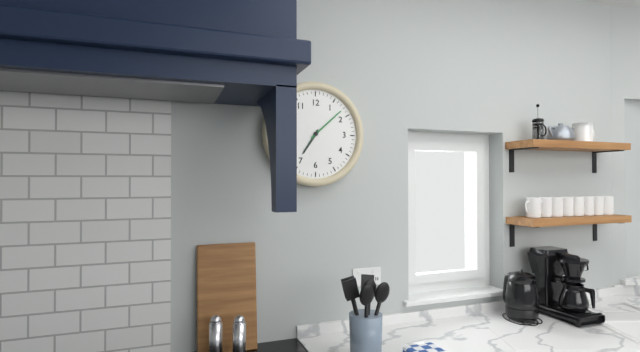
7:08
